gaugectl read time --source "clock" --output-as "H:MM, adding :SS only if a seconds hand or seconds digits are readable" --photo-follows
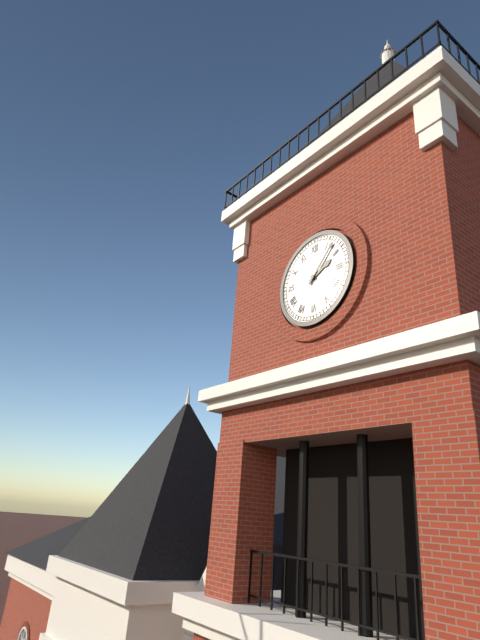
2:07
